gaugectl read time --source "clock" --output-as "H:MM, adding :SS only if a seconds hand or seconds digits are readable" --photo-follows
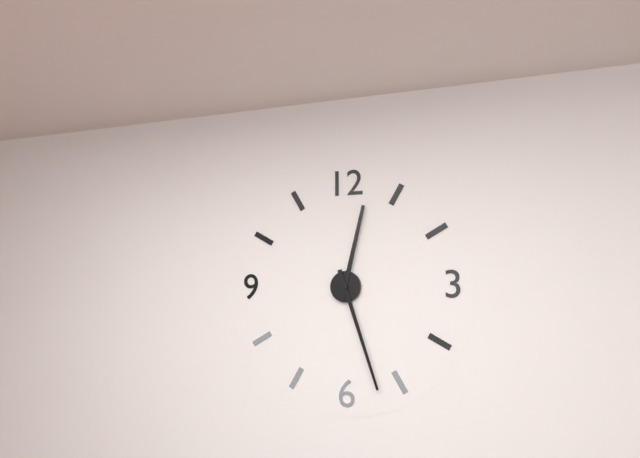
12:27
